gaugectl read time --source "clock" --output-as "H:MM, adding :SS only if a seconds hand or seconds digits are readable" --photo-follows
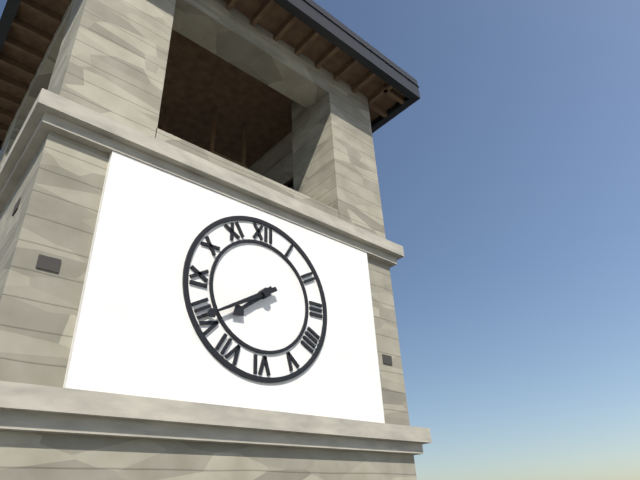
7:40
